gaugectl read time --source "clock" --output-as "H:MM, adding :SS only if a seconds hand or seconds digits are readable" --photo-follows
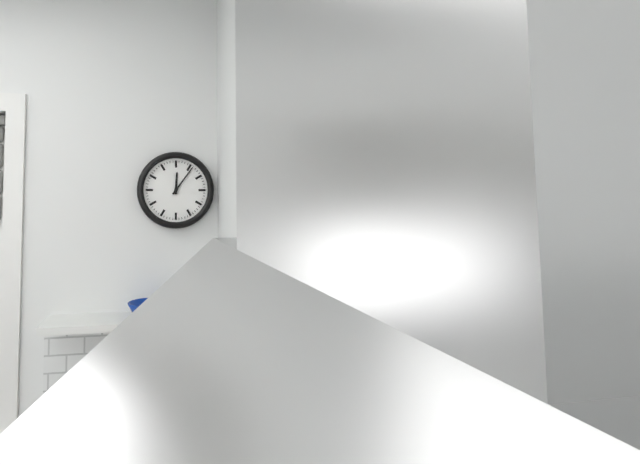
12:06
